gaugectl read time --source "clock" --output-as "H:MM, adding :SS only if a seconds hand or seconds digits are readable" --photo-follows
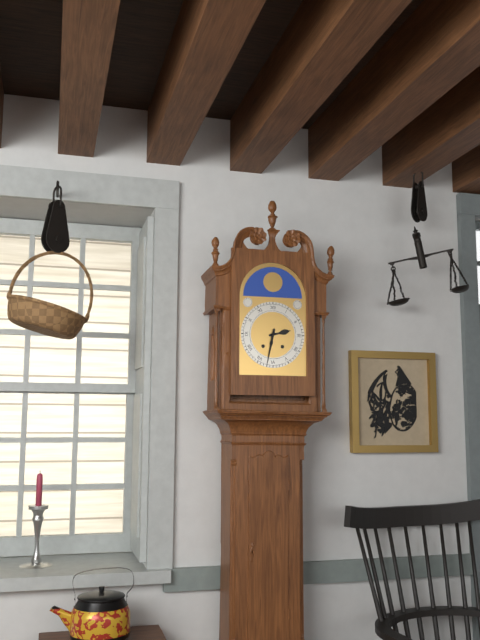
2:32
